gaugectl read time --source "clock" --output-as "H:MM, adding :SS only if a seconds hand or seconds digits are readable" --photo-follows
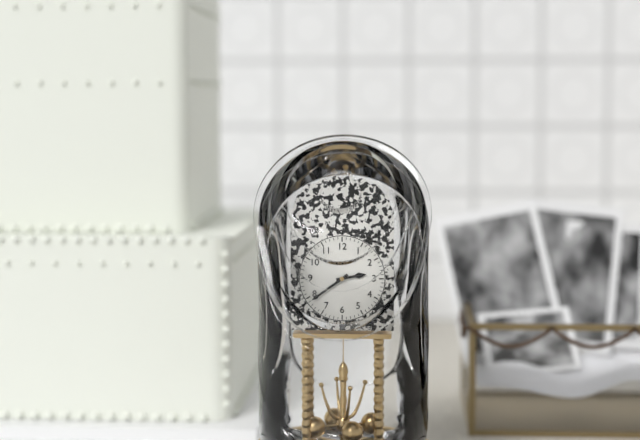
2:39
